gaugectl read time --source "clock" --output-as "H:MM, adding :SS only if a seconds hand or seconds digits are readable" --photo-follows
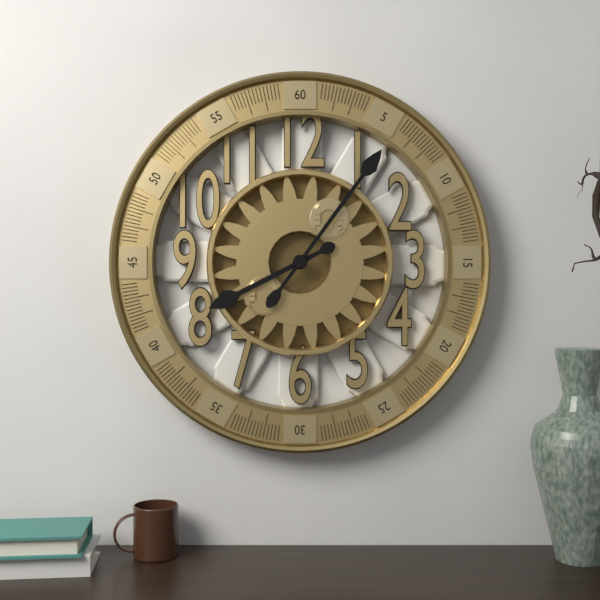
8:06
